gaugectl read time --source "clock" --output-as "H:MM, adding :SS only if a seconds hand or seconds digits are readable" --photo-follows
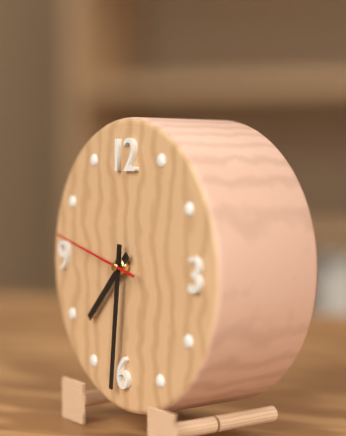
7:31:47
